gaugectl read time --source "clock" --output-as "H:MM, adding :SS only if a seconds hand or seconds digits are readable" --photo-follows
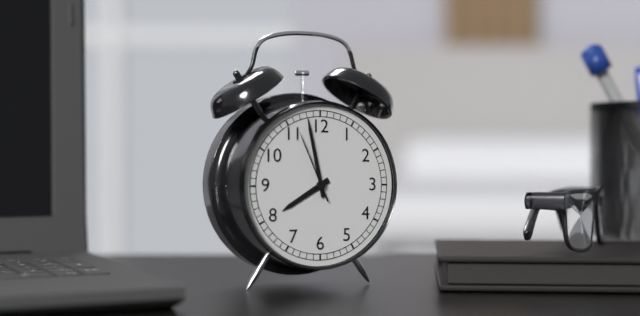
7:58:56
